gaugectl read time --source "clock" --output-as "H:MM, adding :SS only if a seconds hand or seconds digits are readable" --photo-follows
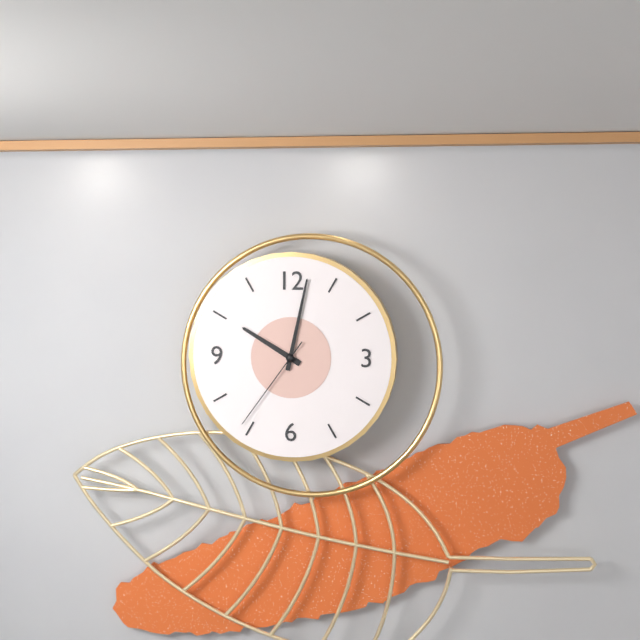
10:02:36
